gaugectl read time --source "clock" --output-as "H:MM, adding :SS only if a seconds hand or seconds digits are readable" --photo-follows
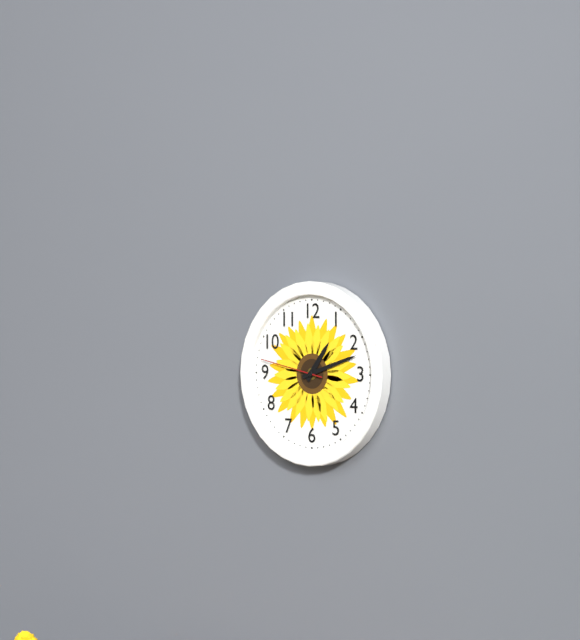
1:12:47
